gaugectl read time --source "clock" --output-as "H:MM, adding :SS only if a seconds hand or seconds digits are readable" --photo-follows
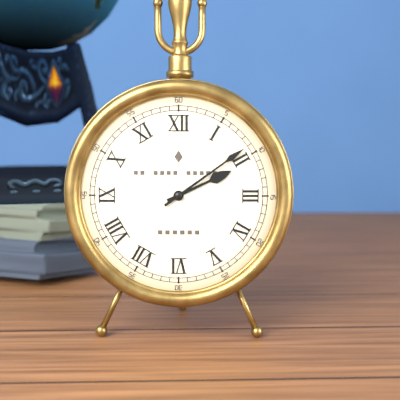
2:09
